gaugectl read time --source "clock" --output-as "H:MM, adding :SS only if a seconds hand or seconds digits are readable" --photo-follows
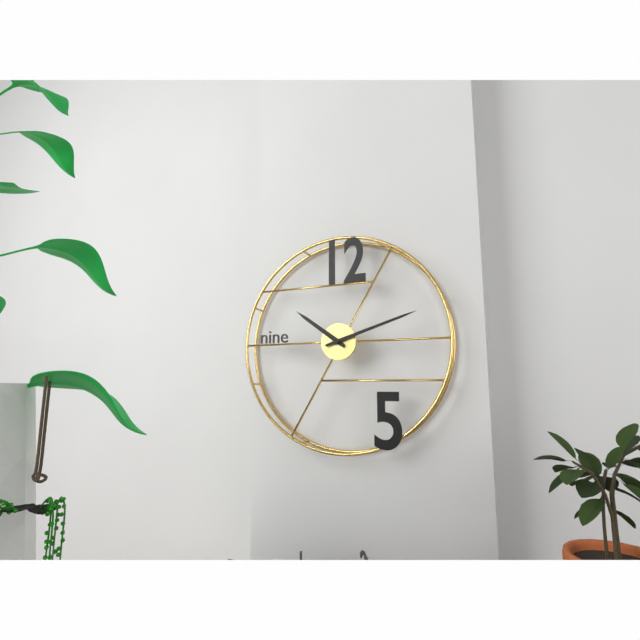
10:12
